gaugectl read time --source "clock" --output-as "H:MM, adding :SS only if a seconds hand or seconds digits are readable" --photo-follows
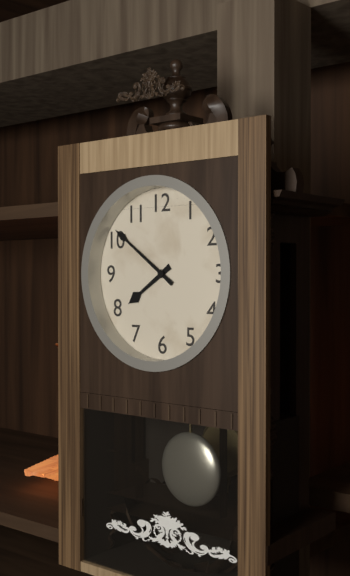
7:51
